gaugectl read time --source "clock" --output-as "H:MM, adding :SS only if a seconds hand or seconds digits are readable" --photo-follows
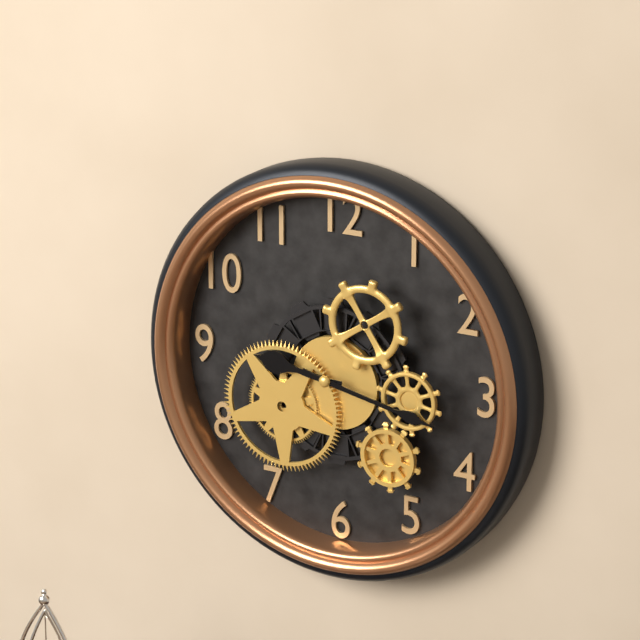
9:17
